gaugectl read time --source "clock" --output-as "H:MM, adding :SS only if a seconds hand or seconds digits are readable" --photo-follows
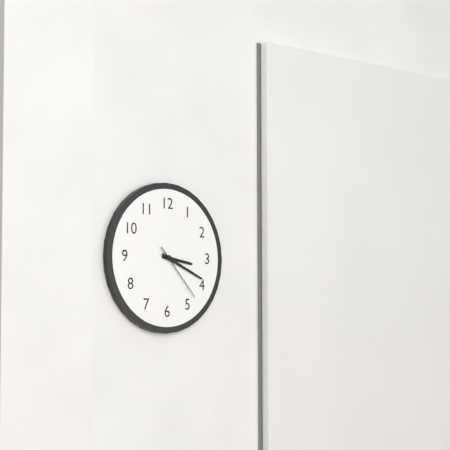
3:19:23
